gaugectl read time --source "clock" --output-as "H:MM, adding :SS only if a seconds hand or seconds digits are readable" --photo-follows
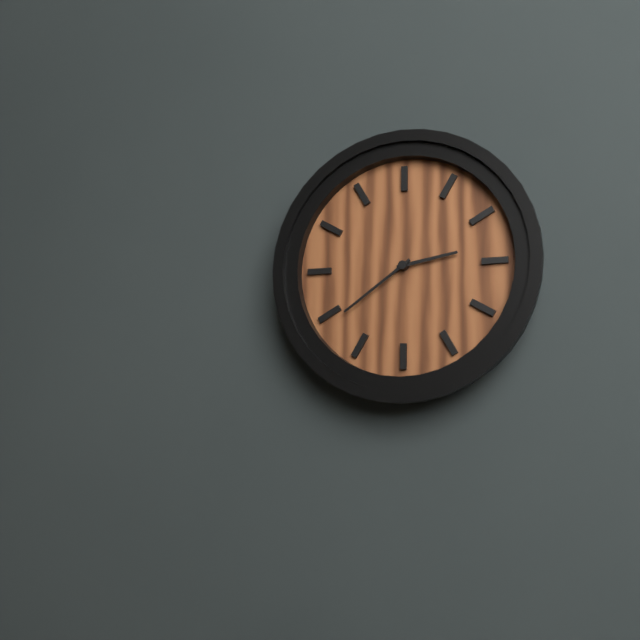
2:39
